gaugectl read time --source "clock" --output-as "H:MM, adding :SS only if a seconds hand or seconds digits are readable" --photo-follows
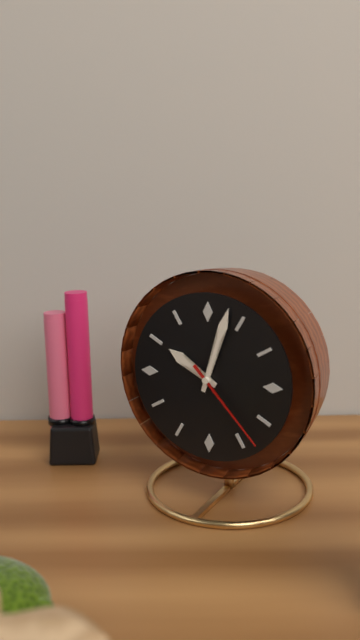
10:03:23
